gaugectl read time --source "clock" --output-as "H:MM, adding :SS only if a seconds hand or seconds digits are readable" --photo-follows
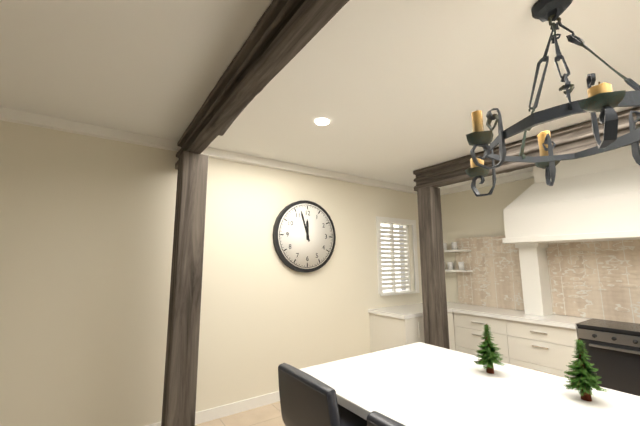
11:57
